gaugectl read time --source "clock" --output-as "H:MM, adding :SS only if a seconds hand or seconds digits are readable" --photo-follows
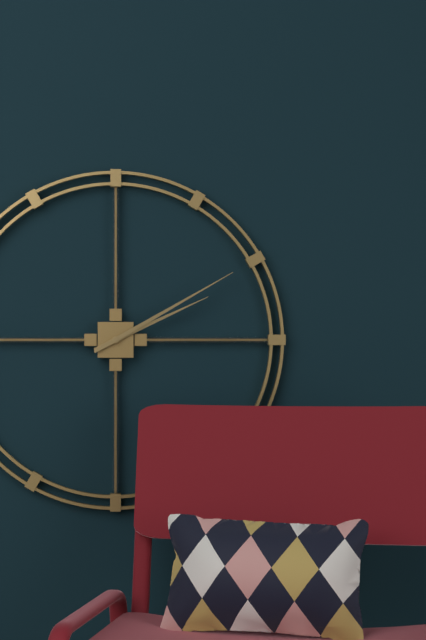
2:10
